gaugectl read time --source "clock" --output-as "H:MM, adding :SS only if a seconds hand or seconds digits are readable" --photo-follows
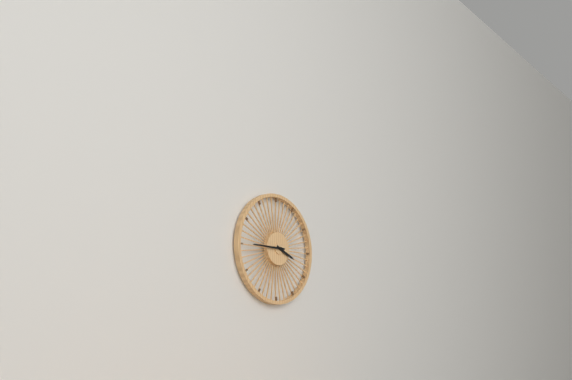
3:45
